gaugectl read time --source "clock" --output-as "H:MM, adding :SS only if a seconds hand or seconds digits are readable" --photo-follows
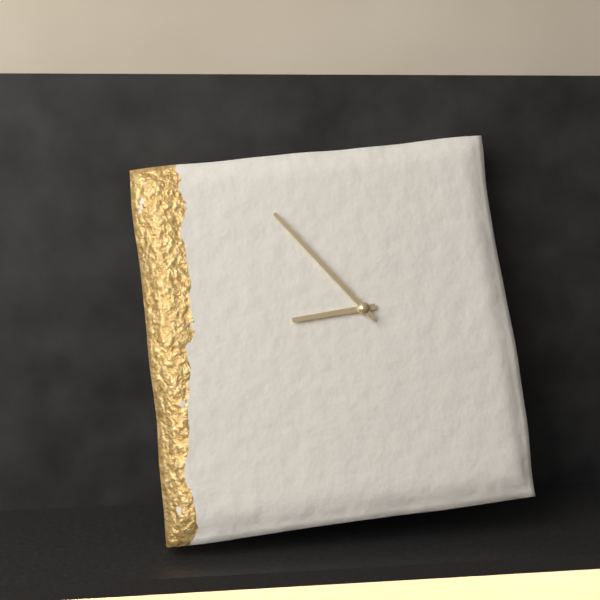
8:54
